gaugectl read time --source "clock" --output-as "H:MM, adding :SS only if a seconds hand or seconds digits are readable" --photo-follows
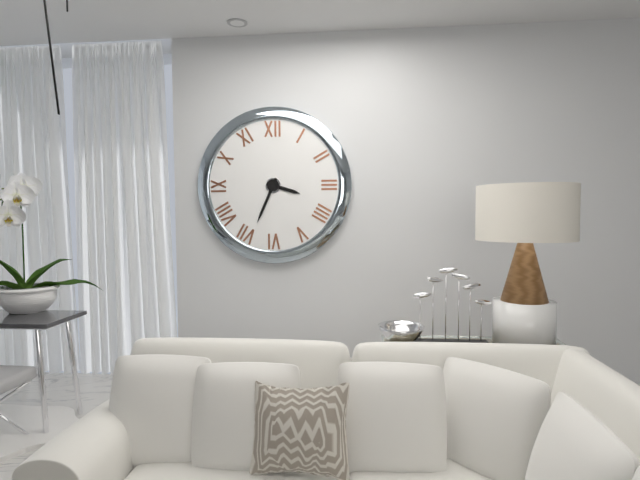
3:34
